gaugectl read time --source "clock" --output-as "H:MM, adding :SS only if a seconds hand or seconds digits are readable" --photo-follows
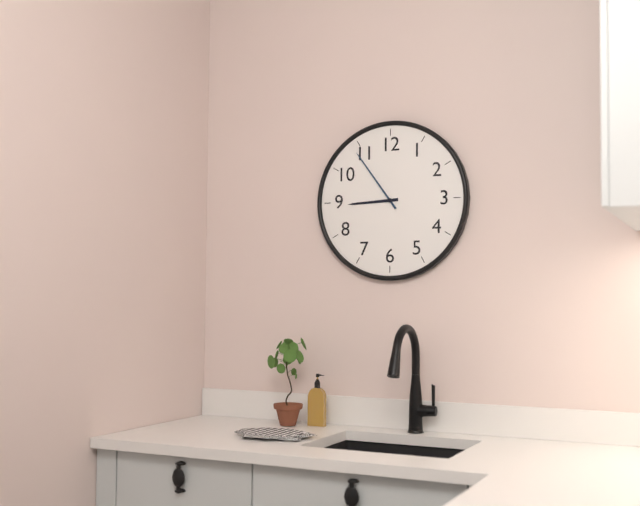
8:54
